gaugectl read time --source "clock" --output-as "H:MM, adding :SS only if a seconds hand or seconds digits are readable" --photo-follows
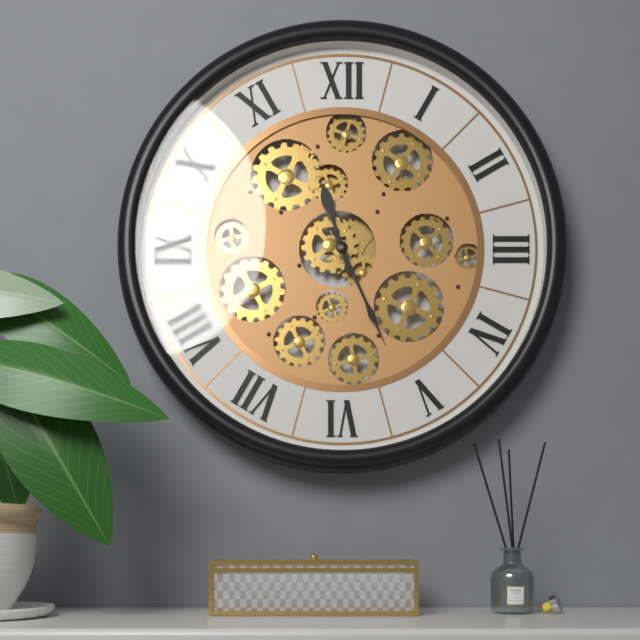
11:26
